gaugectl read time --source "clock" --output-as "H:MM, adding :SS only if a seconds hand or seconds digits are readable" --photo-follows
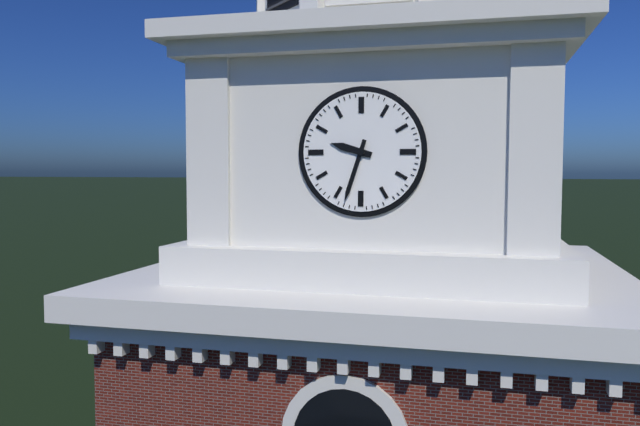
9:33
